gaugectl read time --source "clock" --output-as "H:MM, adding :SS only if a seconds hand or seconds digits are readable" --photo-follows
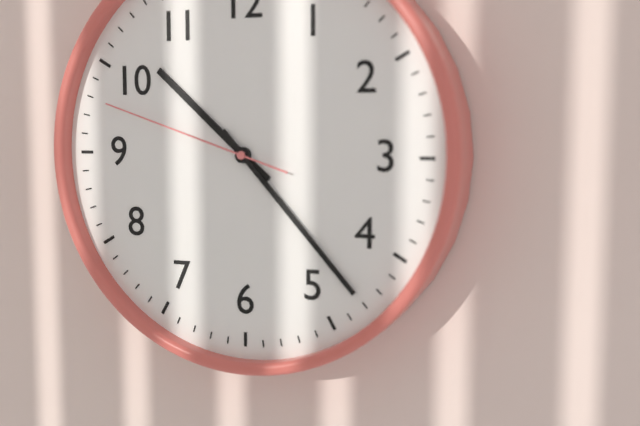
10:23:48
